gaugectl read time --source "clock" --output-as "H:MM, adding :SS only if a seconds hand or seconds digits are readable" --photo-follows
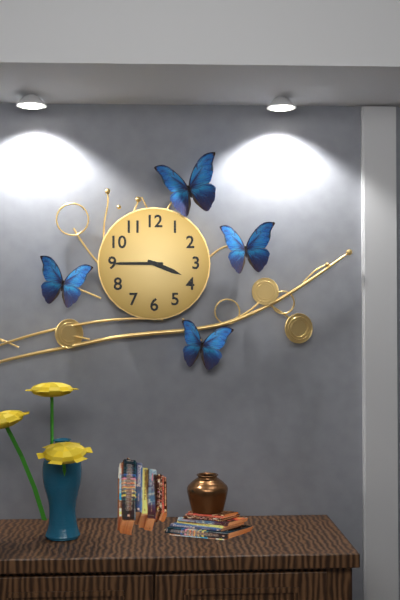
3:45
